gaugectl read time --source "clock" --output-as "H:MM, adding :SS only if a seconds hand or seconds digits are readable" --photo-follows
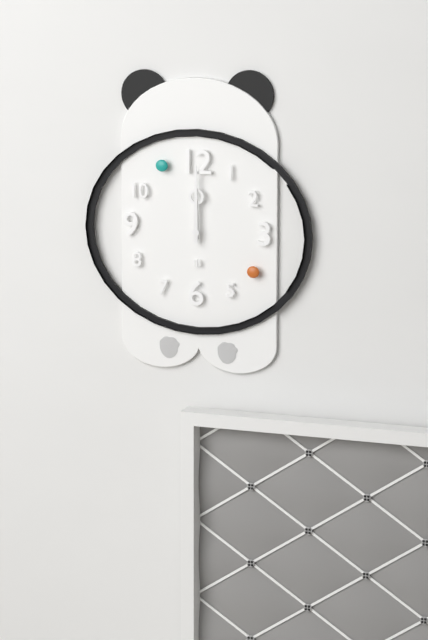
12:00
